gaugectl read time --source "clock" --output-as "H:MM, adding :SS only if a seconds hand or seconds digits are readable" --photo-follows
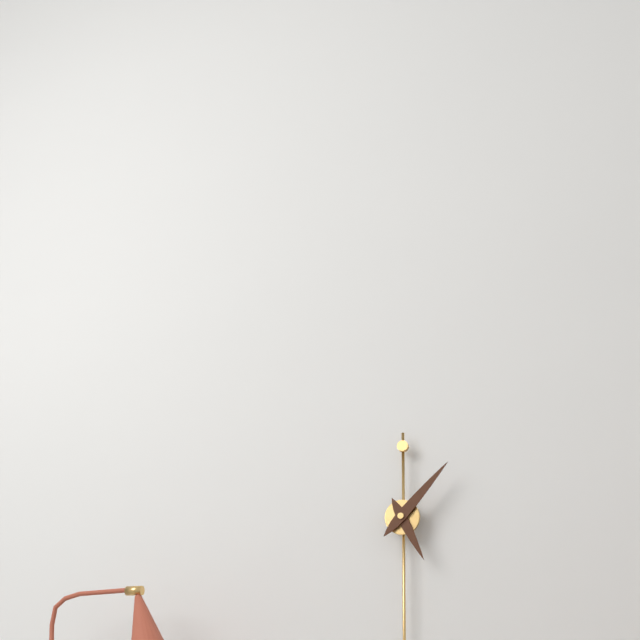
5:07
